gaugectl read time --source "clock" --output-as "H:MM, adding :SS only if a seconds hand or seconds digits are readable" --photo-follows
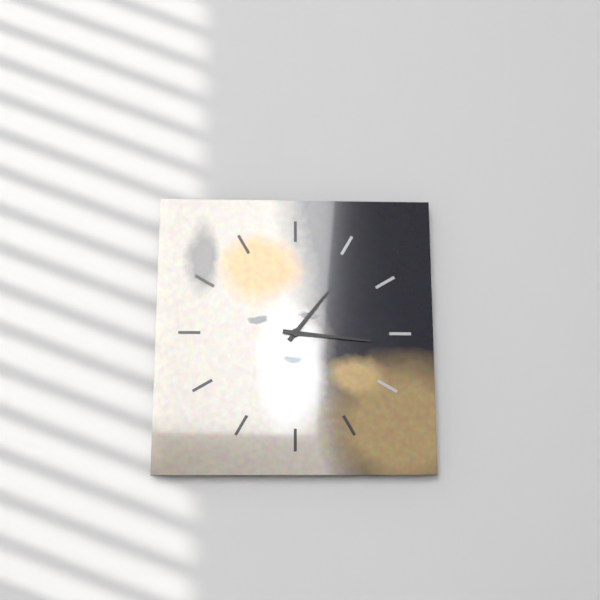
1:16
